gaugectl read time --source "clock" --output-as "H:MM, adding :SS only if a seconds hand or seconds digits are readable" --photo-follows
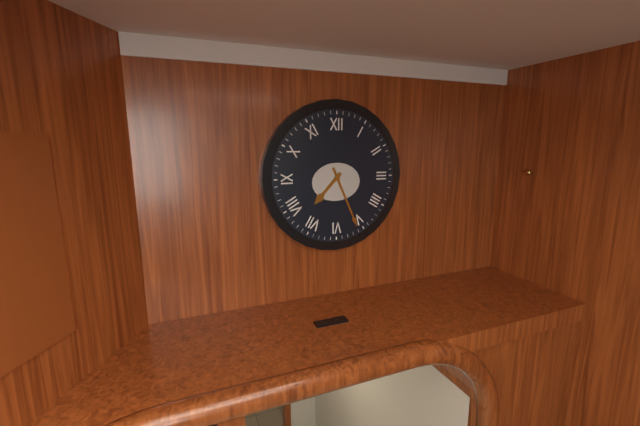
7:26
